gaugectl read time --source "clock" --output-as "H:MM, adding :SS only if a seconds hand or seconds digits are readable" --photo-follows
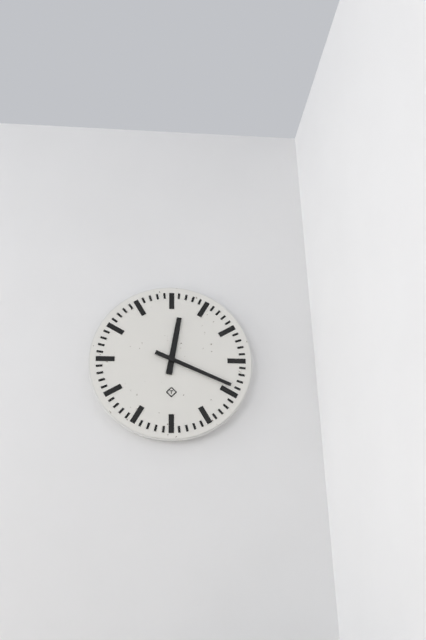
12:19
